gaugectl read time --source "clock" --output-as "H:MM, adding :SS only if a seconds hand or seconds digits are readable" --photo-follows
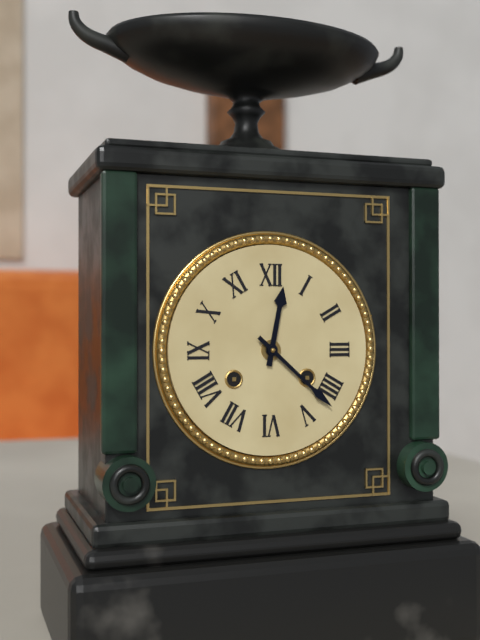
12:22
